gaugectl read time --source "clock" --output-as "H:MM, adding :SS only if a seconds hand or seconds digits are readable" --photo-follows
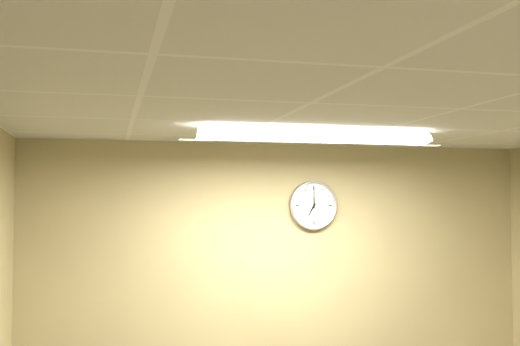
7:00
